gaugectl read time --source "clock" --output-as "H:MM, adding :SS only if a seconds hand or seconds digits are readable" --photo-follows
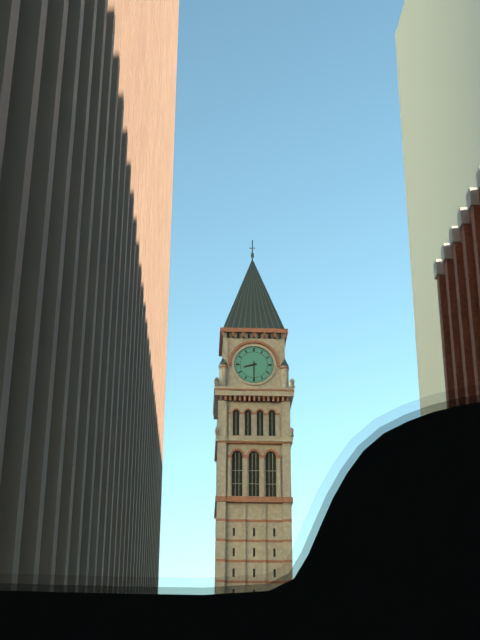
8:30
